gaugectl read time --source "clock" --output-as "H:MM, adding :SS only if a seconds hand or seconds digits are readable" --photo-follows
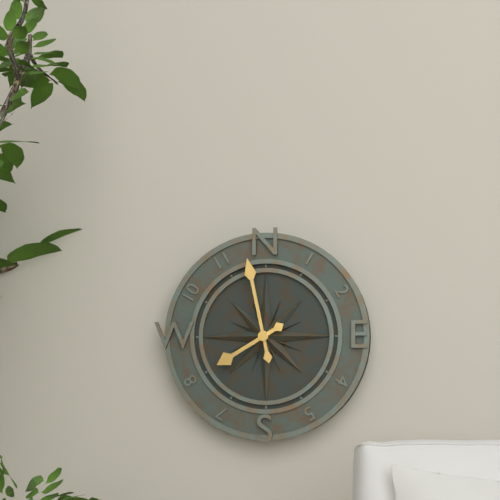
7:58
